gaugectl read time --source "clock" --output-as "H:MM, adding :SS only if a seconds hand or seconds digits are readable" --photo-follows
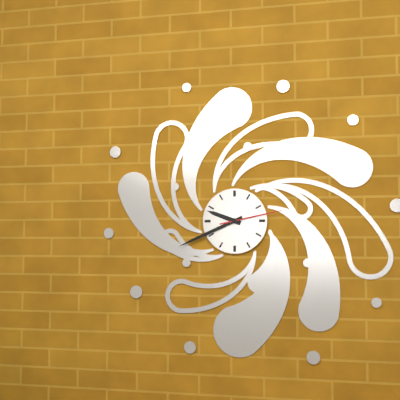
9:41:13
